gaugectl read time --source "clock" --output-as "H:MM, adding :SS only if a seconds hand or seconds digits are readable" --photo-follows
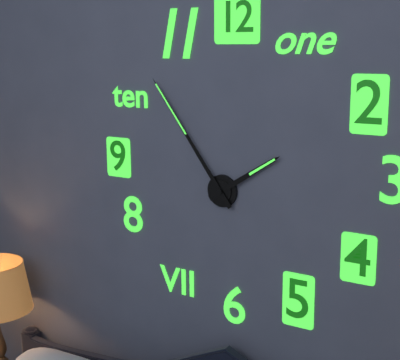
1:54
